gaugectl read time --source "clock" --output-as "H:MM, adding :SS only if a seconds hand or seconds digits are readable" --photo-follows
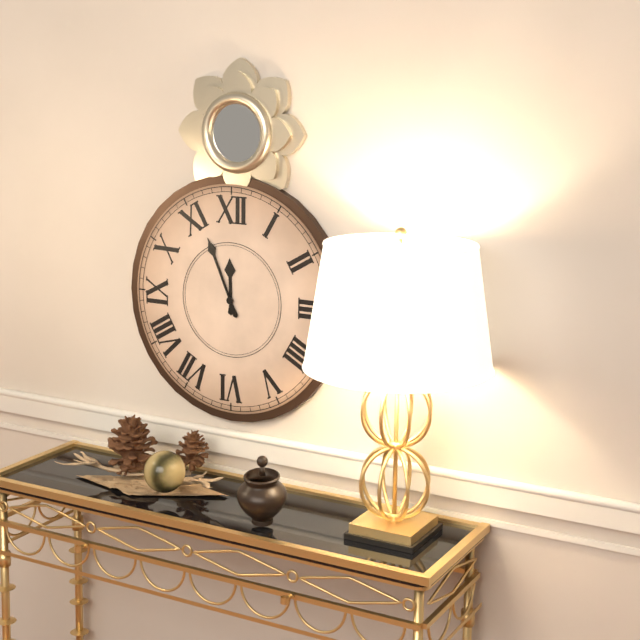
11:56
